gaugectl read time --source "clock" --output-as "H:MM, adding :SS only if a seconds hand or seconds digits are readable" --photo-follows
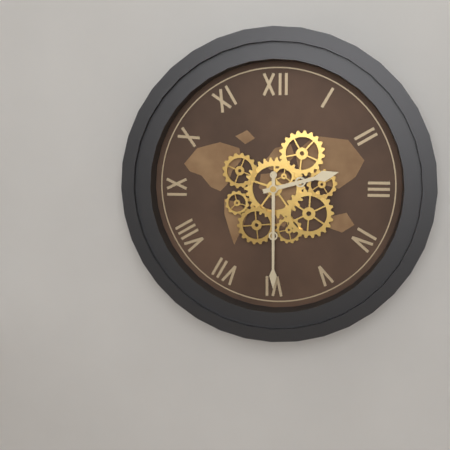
2:30
